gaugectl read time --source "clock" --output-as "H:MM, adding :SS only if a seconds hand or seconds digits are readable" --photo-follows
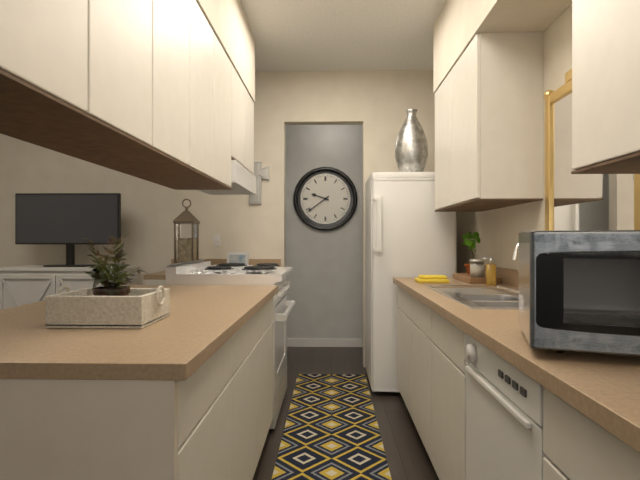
9:39
